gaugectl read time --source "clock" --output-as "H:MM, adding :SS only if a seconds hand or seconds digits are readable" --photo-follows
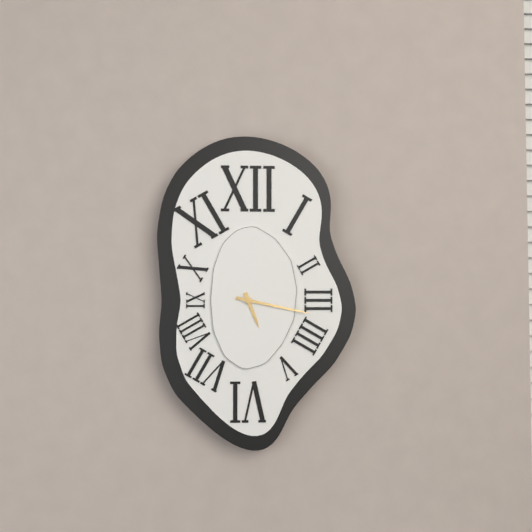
5:17
